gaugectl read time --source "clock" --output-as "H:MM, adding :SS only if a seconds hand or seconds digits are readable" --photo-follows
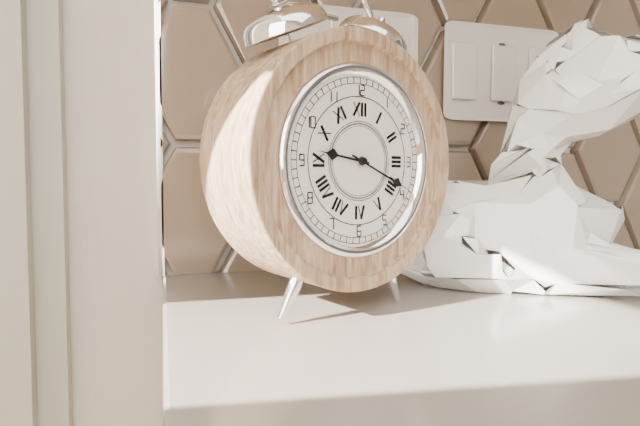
9:19
